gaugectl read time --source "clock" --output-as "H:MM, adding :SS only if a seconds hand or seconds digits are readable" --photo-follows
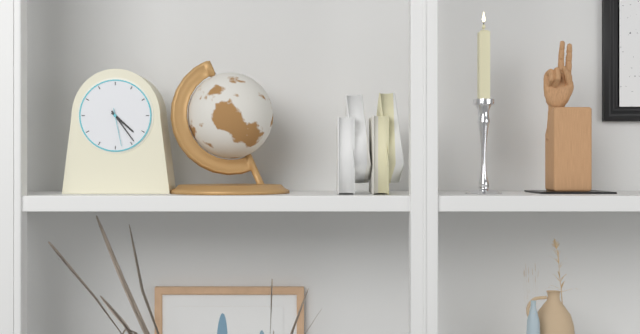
4:24
